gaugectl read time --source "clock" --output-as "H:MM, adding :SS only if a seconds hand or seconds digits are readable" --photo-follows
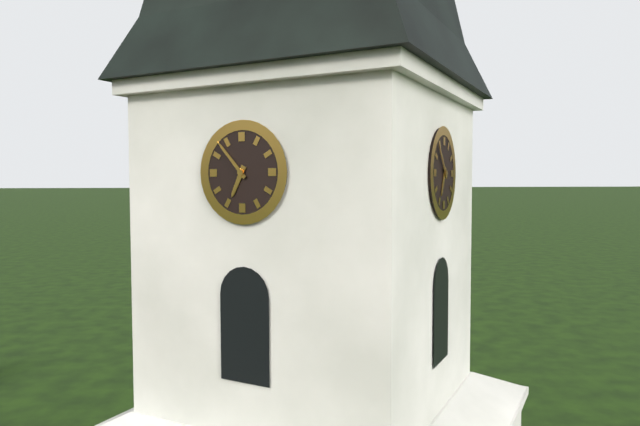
6:53
